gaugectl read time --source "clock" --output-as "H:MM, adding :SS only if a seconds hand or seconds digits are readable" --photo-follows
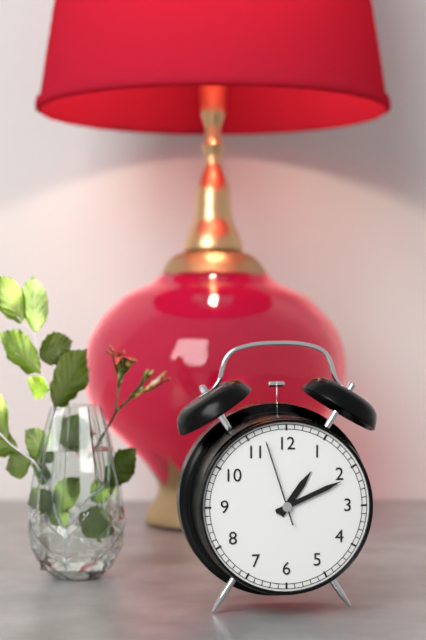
1:11:57
